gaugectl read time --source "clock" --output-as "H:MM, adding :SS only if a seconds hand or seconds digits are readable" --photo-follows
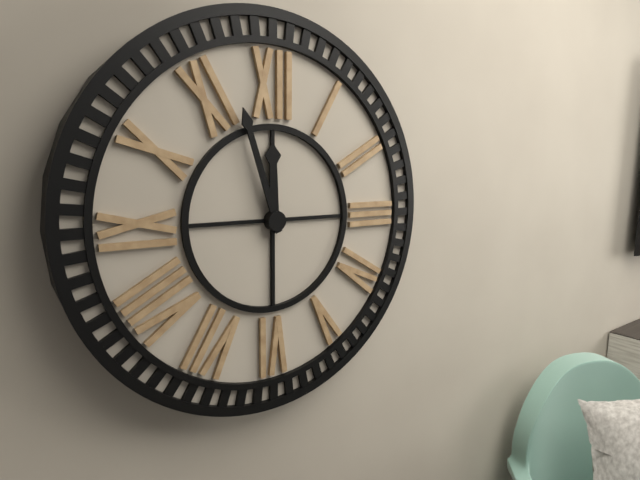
11:57
